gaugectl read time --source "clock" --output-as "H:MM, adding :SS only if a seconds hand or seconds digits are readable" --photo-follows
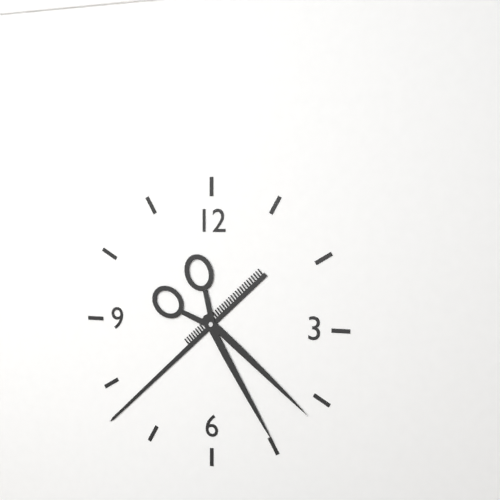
4:38
